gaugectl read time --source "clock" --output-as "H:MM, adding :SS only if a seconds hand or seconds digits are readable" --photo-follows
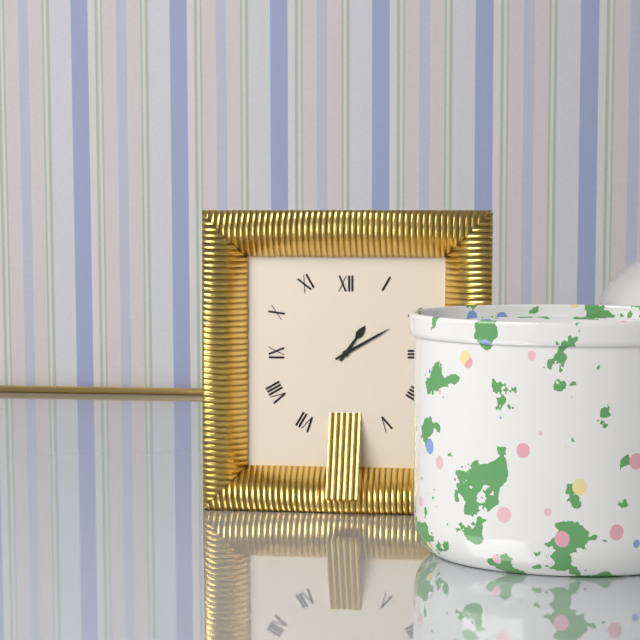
1:10
